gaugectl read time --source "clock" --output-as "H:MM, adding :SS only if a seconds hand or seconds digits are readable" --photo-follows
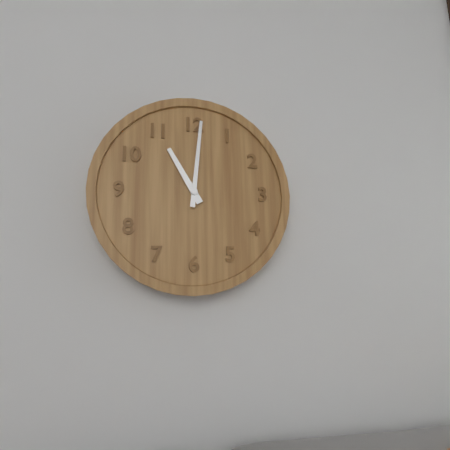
11:01
